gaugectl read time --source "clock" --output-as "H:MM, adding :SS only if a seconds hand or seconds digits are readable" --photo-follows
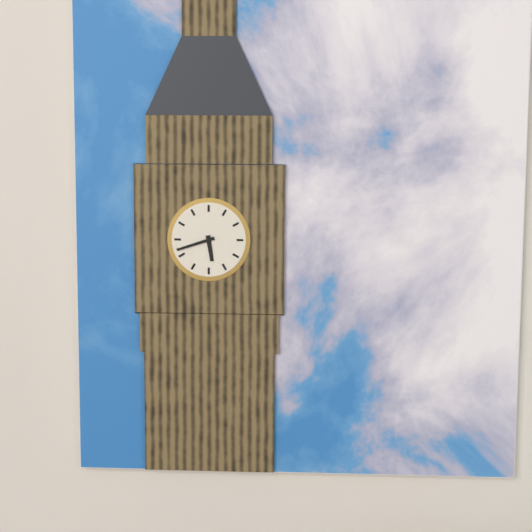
5:42
